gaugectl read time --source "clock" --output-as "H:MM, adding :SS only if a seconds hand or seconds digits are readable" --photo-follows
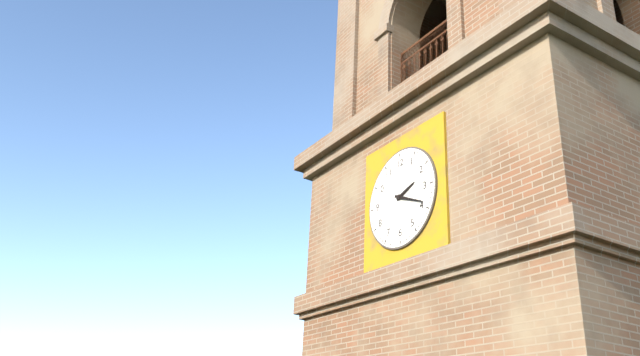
2:19
